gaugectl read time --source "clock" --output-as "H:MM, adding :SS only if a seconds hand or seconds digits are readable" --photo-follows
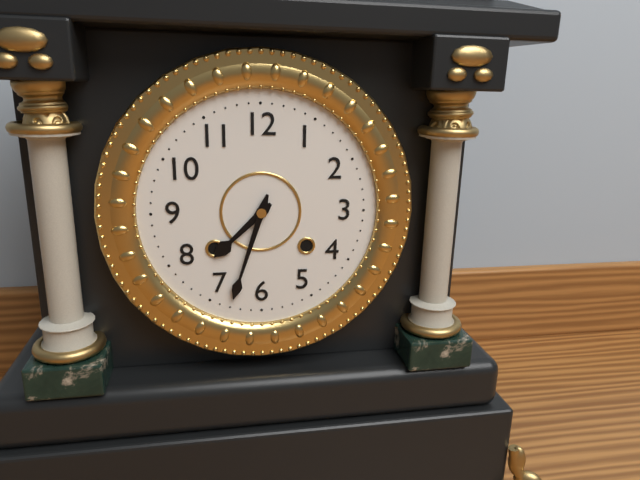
7:33
